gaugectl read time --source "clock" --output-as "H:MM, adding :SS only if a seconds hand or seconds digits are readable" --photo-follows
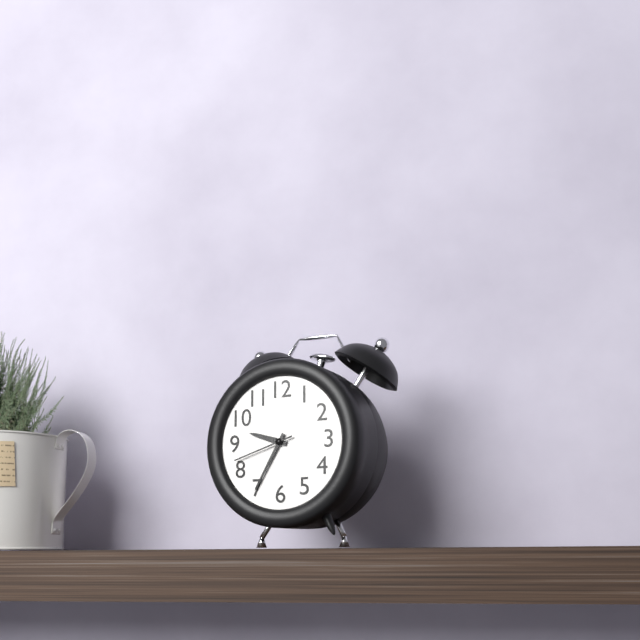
9:35:42
